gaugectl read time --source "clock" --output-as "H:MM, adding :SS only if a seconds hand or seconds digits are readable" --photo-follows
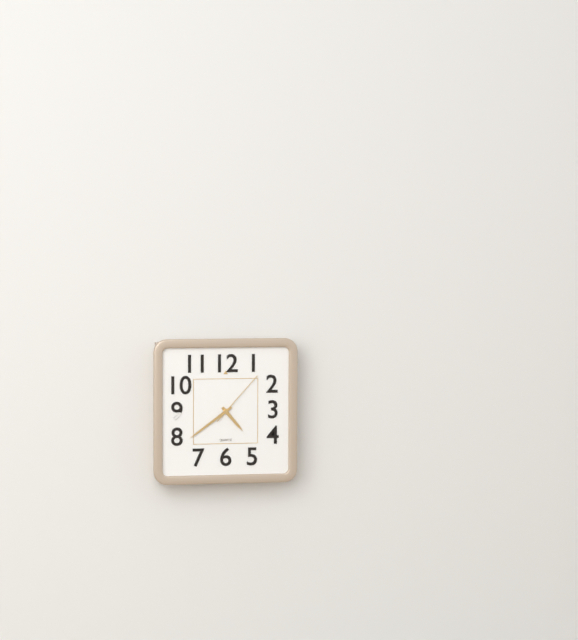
4:39:07
